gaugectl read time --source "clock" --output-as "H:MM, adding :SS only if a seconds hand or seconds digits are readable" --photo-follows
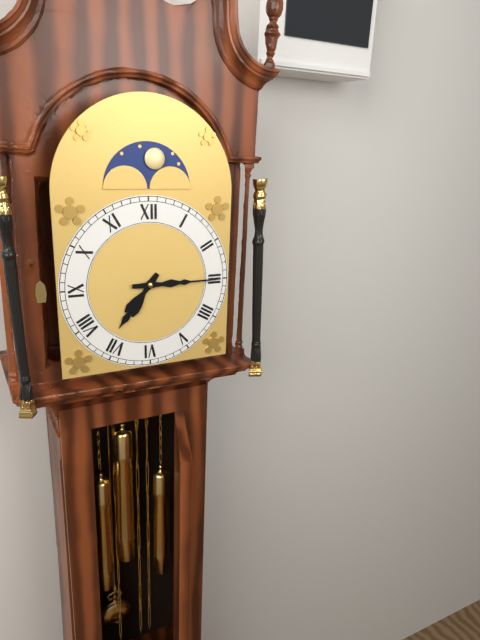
7:15
